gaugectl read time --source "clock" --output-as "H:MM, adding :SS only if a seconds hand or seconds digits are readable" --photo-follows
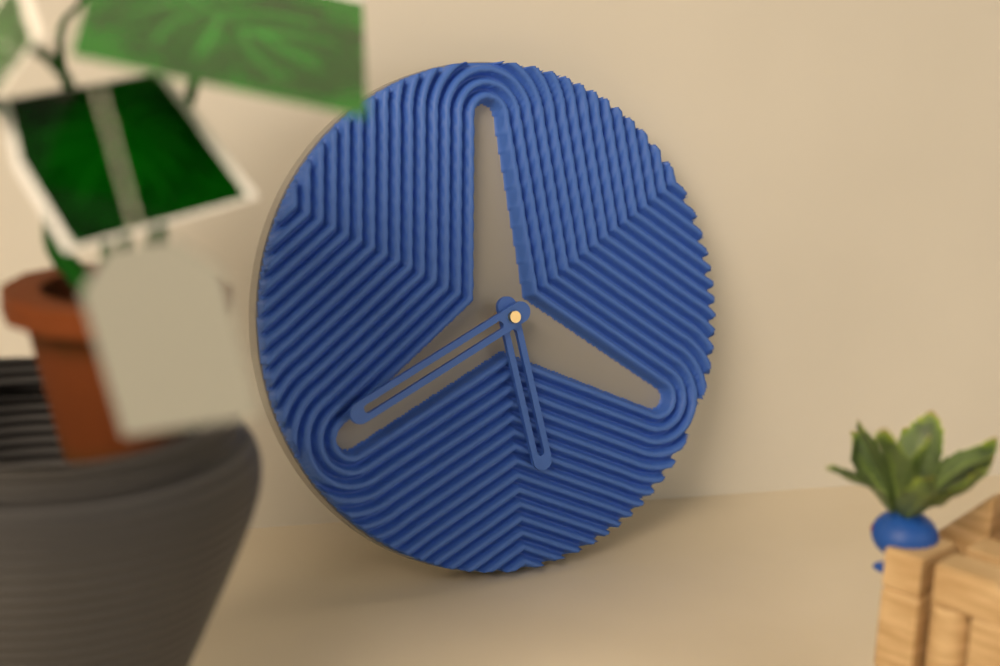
5:41
